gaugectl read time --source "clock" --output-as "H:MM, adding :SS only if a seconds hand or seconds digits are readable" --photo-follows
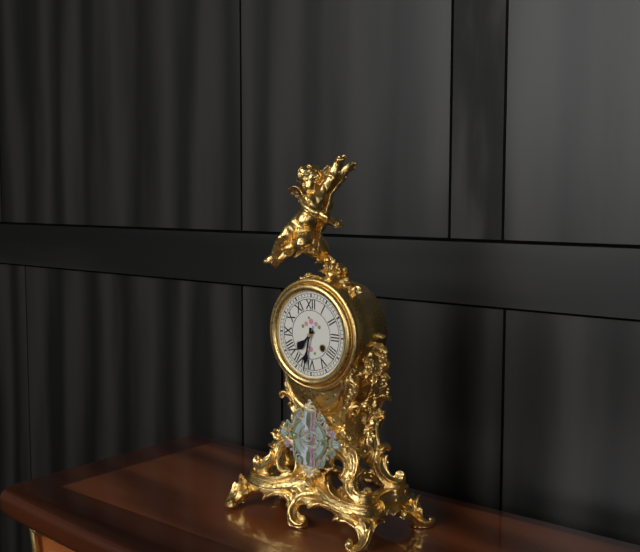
7:32
